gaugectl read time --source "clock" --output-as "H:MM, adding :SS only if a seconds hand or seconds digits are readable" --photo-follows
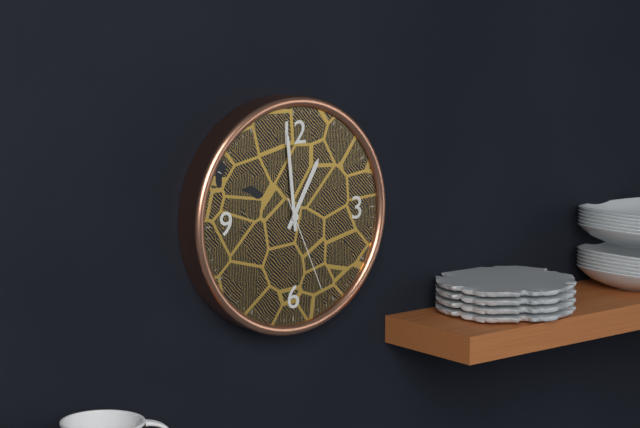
12:59:26
